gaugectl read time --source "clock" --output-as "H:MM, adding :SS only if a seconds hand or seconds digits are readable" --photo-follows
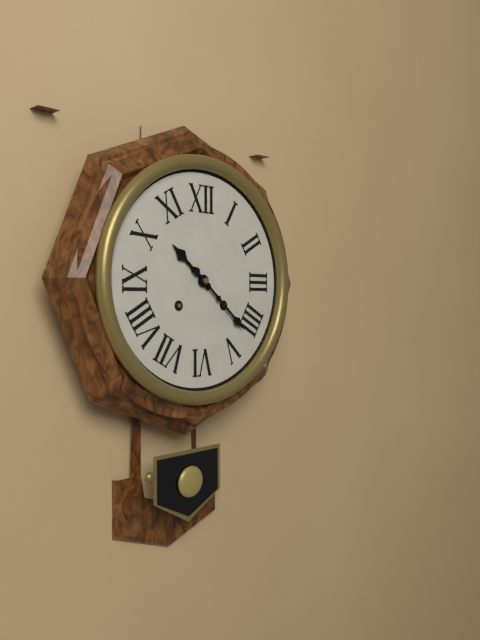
10:22
